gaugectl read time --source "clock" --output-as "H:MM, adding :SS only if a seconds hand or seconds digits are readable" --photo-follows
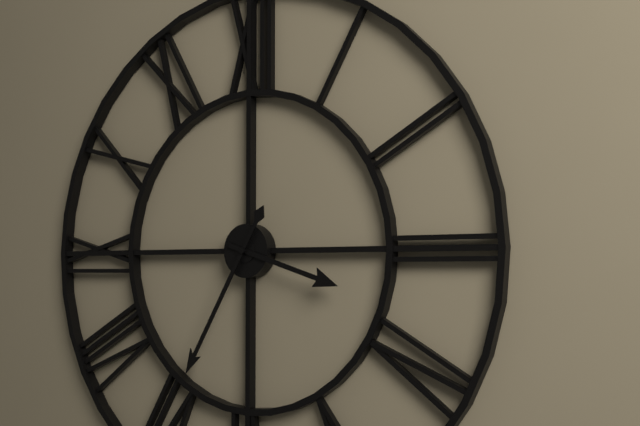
3:35
